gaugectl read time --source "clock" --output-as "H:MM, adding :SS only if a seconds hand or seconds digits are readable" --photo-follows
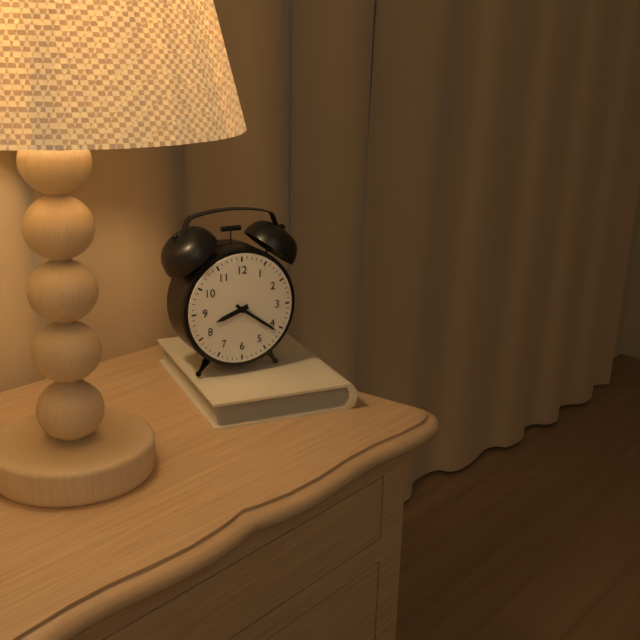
8:21
